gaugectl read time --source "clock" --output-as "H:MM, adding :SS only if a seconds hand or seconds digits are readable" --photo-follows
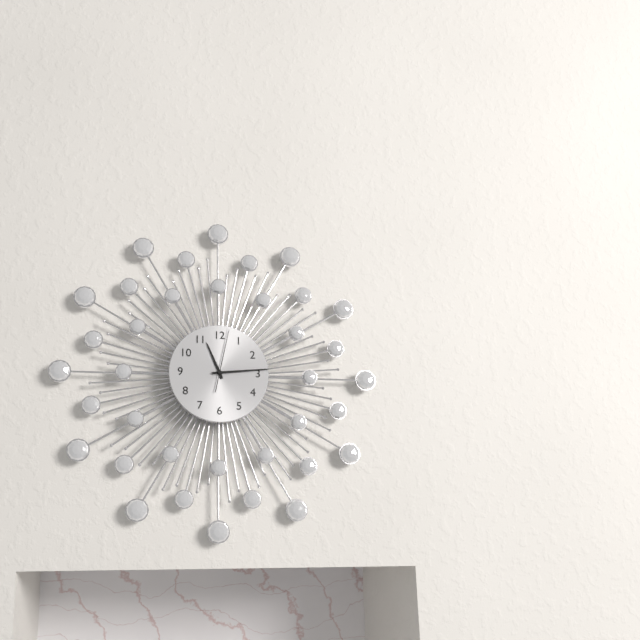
11:14:02
